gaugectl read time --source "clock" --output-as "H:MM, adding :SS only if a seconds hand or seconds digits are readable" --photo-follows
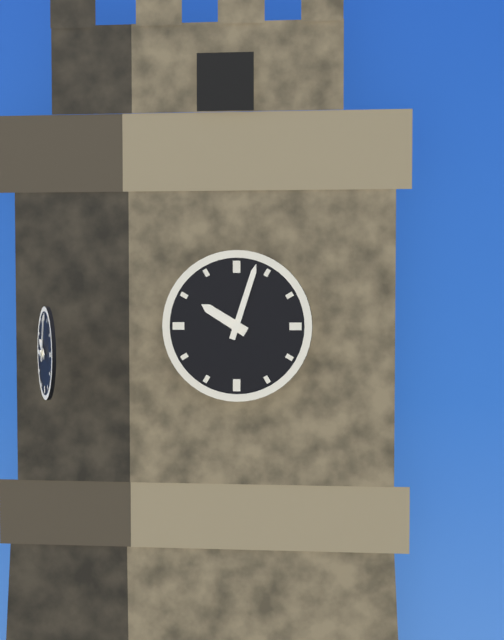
10:03
